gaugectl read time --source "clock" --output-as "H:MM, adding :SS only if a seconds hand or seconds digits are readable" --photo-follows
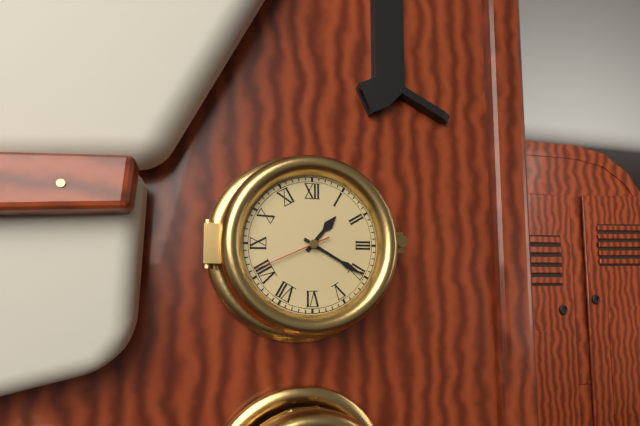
1:20:41
